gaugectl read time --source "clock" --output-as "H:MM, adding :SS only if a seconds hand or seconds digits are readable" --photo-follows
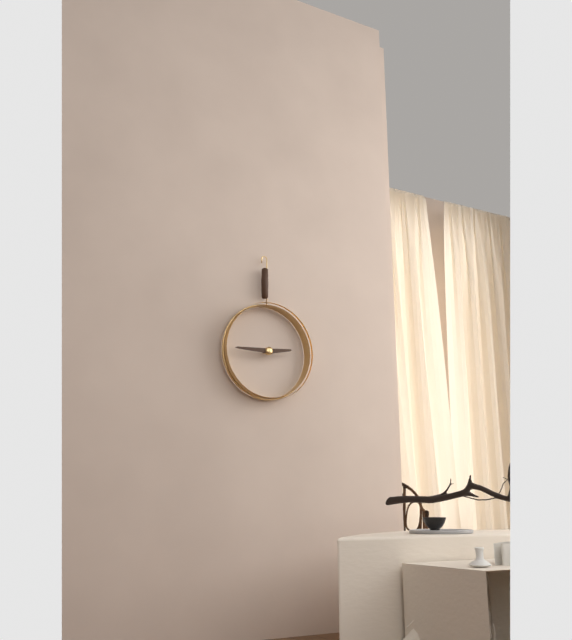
2:45
